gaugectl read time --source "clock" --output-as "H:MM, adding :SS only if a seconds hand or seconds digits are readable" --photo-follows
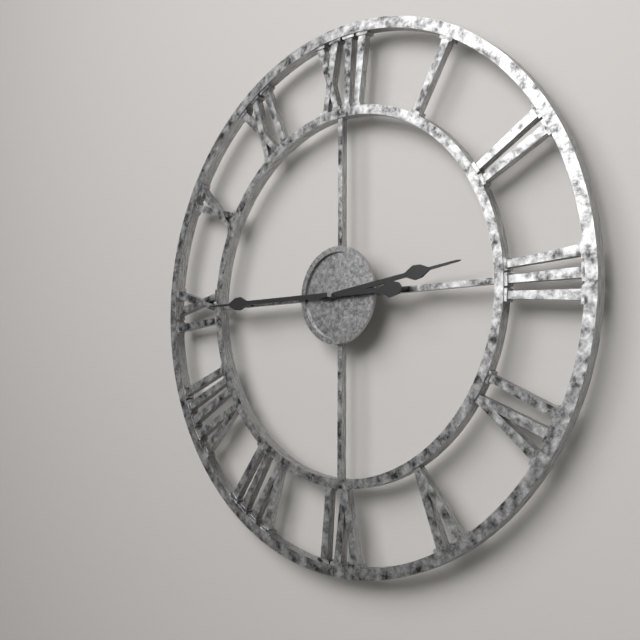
2:45
